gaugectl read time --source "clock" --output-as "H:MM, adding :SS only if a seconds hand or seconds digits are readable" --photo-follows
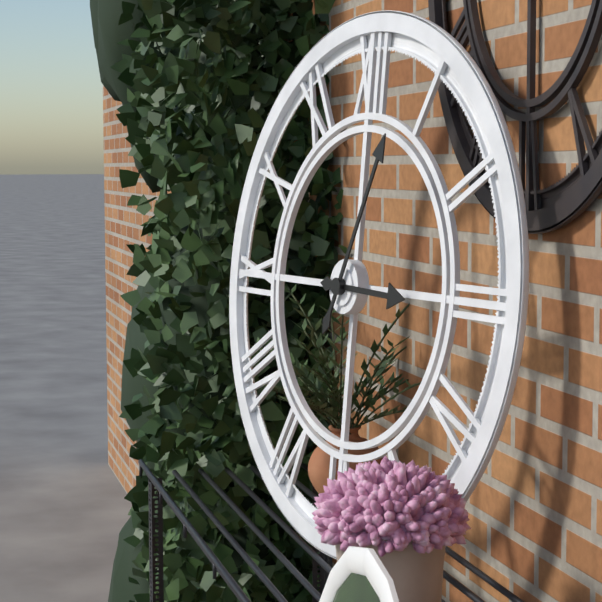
3:04
